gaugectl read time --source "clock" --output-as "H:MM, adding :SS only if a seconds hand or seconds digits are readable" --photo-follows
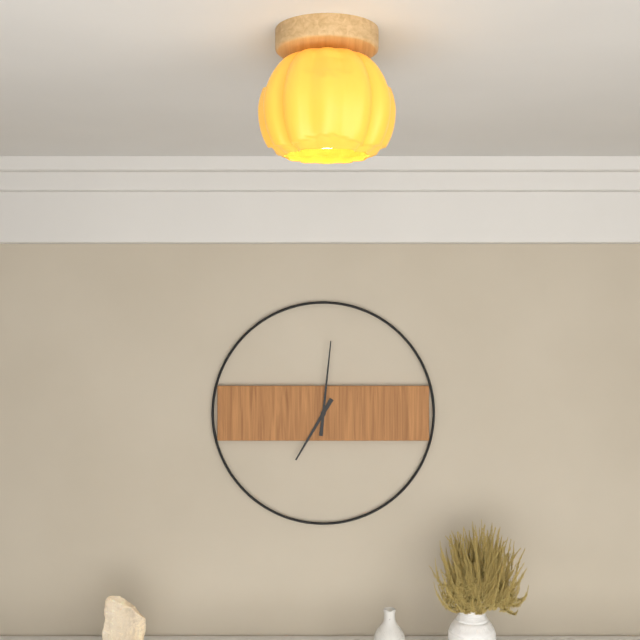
7:01
